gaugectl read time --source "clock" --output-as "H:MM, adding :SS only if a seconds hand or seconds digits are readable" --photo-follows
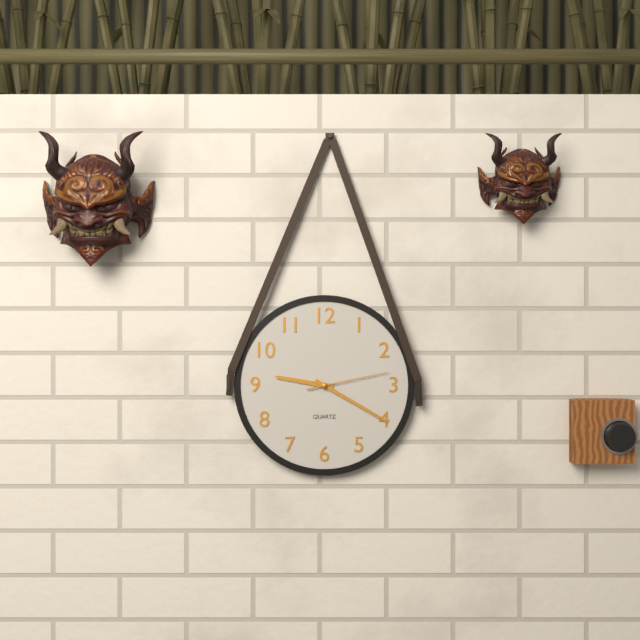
9:20:13
